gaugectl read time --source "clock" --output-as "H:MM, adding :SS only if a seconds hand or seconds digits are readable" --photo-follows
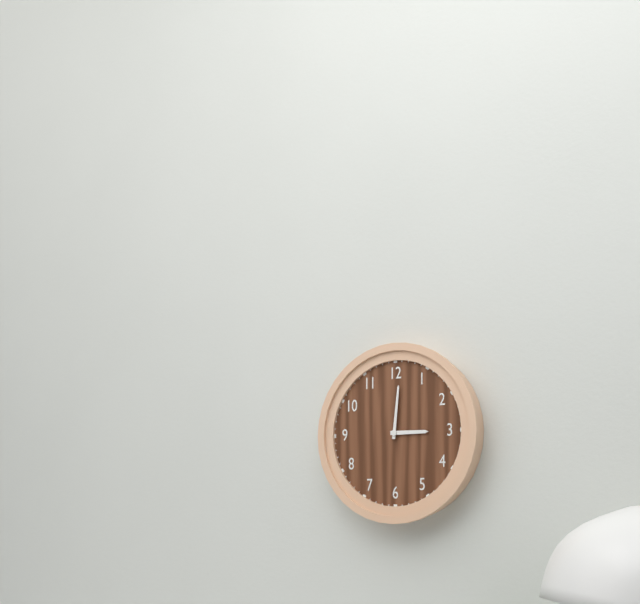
3:01
